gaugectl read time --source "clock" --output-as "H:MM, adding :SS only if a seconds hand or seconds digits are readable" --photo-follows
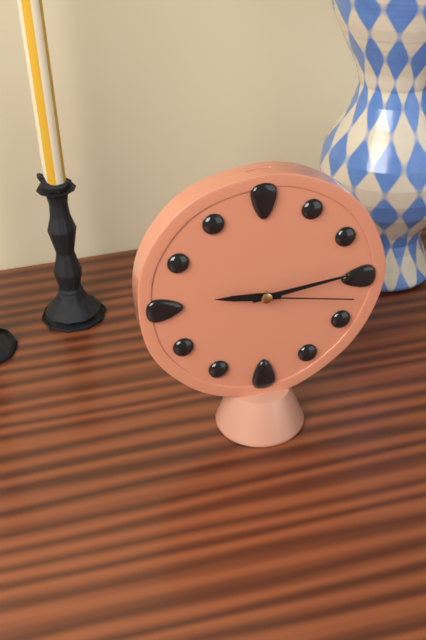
9:14:17
